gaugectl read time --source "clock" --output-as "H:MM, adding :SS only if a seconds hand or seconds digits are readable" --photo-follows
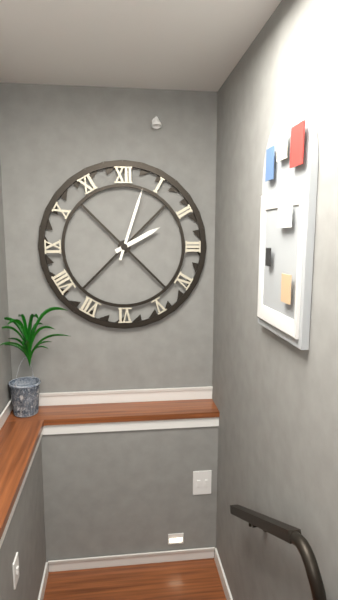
2:03
